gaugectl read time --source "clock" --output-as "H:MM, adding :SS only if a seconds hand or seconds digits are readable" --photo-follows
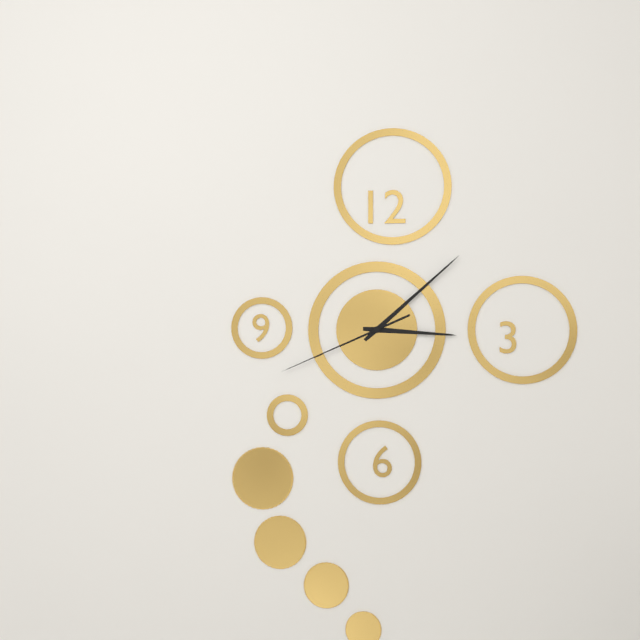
3:08:41
